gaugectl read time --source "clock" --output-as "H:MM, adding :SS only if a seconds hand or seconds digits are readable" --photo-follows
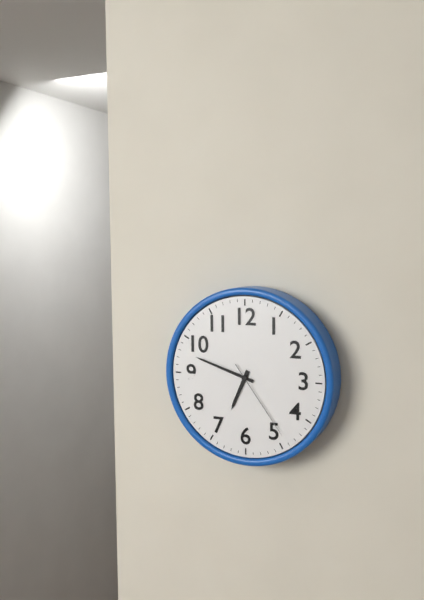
6:48:24
